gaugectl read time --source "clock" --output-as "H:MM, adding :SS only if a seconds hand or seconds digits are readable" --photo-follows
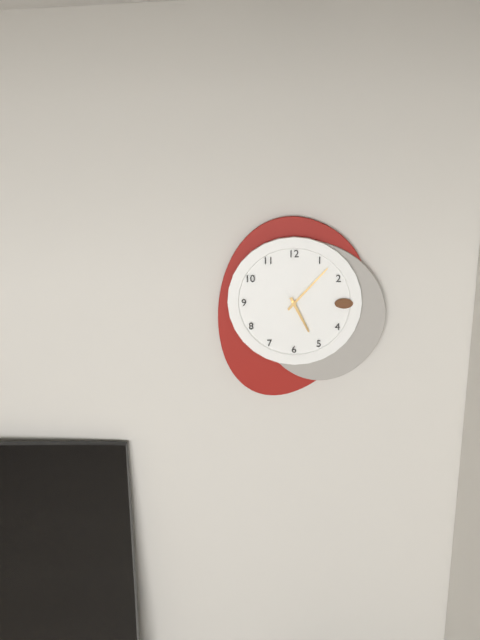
5:07
